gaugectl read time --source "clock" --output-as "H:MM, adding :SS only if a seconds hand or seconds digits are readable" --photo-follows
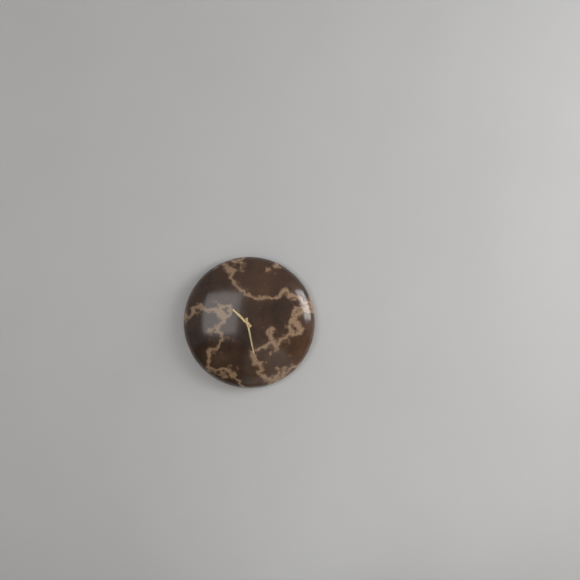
10:28
